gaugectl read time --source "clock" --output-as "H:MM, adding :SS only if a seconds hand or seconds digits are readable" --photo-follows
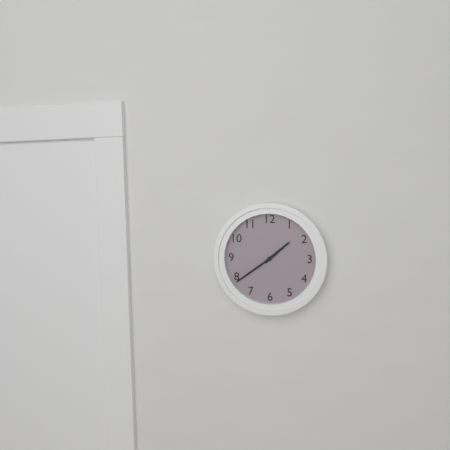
1:39
